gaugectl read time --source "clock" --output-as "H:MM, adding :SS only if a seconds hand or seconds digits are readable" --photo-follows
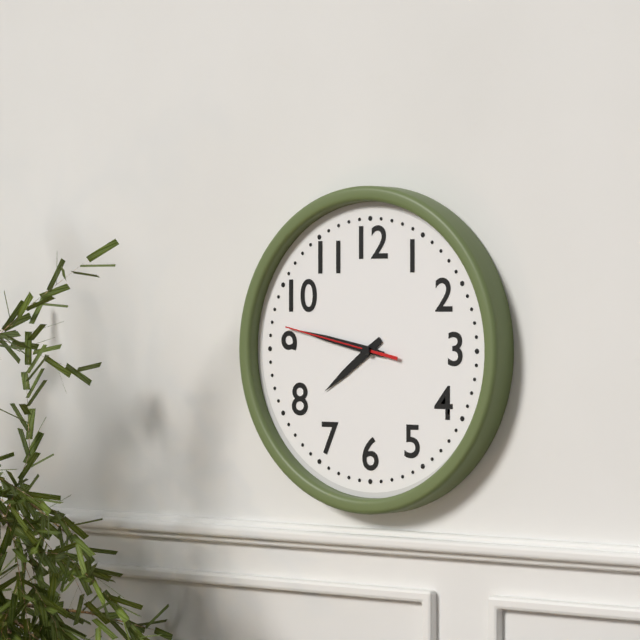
7:47:47
